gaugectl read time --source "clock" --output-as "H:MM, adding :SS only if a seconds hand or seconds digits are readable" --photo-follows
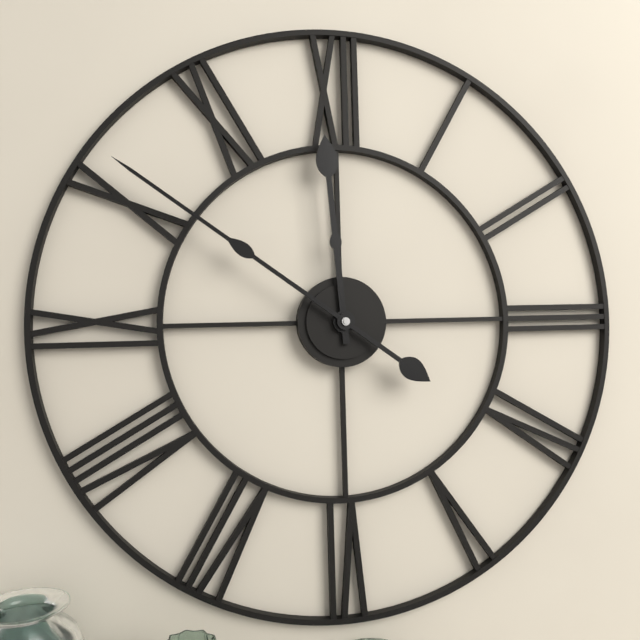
11:51
